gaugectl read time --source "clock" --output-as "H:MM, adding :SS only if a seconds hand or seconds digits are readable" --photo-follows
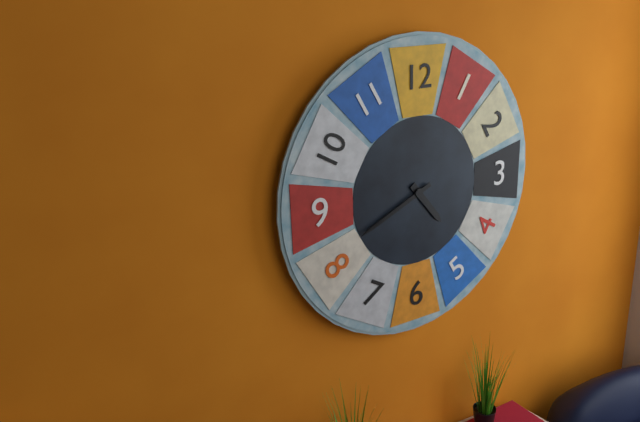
4:41
